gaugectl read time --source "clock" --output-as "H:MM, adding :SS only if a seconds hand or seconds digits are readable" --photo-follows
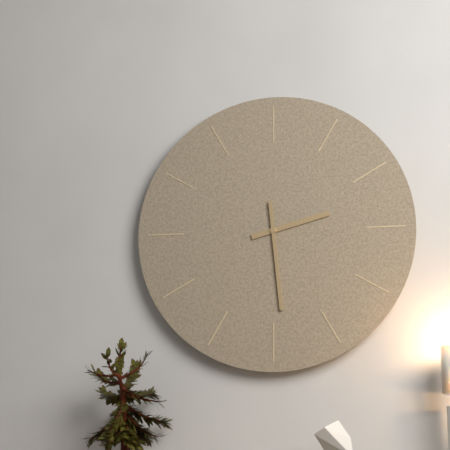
2:29
